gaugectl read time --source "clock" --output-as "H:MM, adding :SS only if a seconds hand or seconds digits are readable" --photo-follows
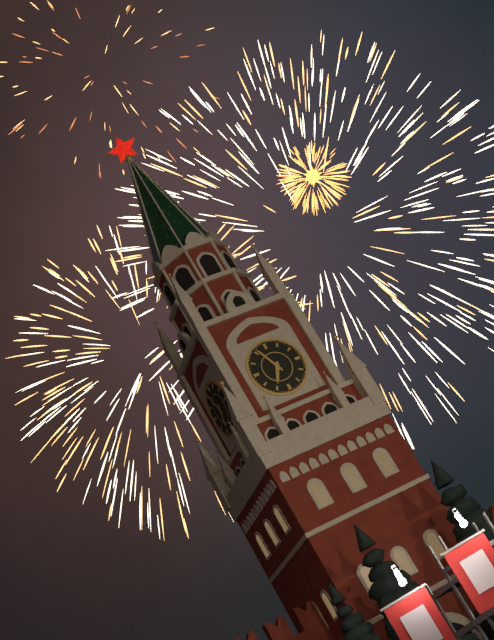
6:56
